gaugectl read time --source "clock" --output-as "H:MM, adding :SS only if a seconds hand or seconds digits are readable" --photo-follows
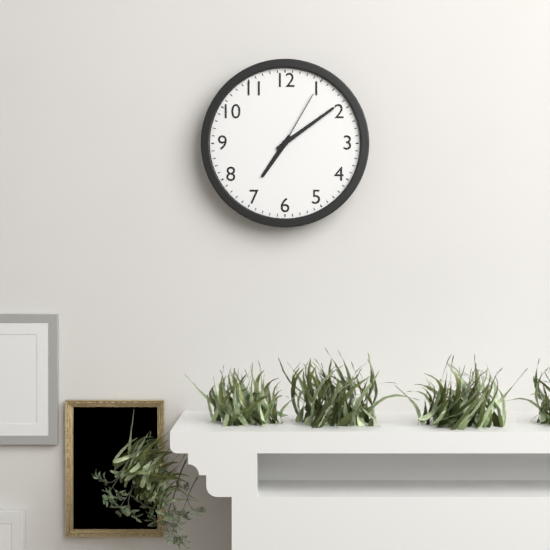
7:09:05
